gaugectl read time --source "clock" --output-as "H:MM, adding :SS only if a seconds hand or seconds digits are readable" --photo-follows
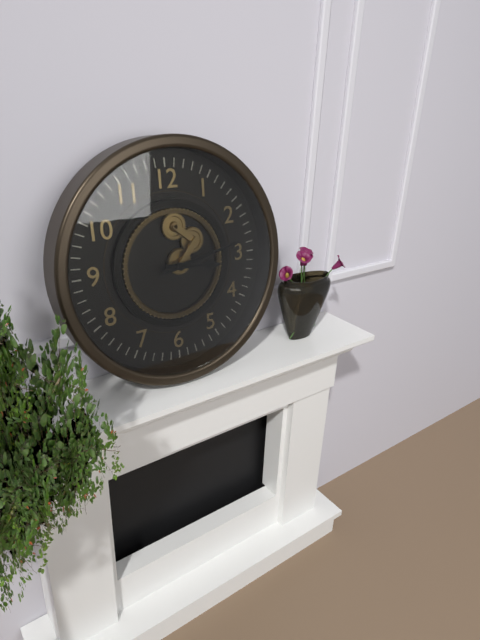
3:13
